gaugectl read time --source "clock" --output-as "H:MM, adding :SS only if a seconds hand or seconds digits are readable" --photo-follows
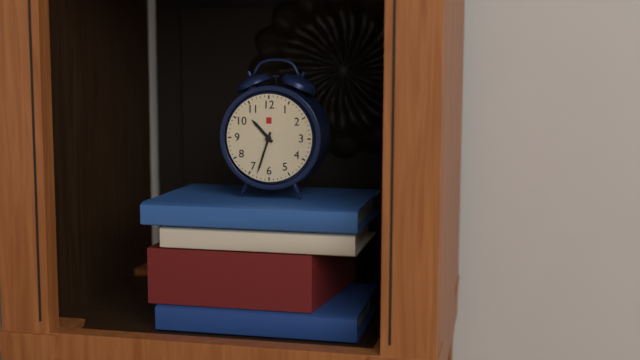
10:33
